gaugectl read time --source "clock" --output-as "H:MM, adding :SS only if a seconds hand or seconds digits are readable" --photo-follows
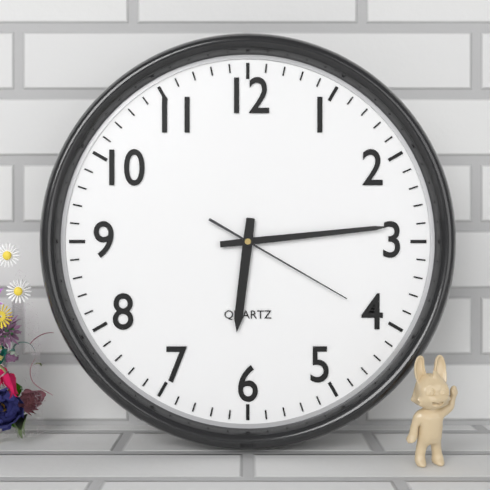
6:14:20
